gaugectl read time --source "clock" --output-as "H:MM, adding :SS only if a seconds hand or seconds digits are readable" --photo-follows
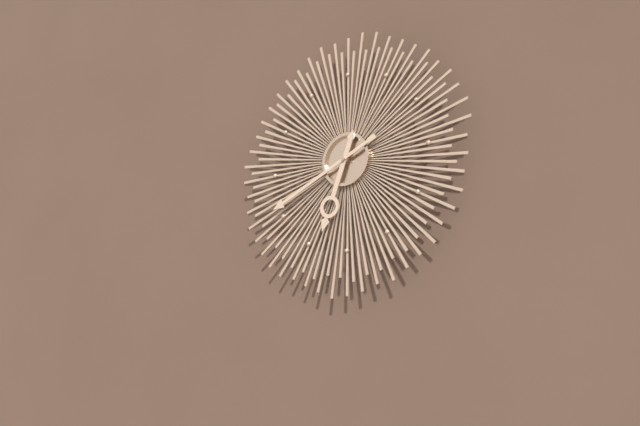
6:41
